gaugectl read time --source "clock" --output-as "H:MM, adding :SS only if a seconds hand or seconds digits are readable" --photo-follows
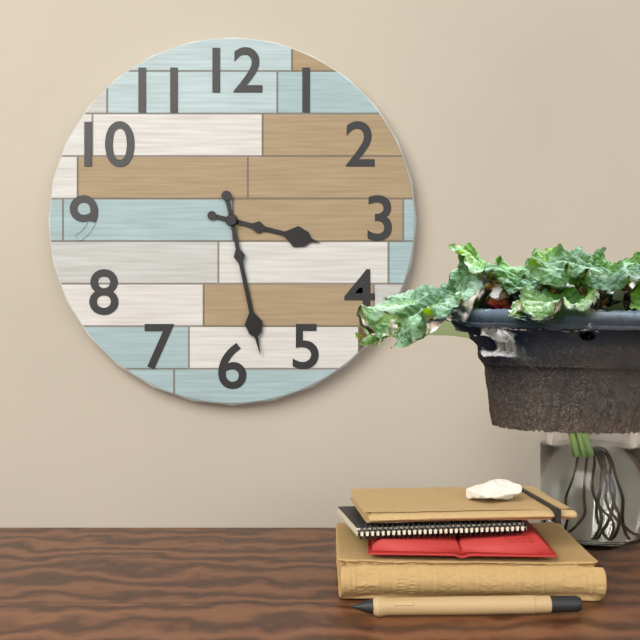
3:28
